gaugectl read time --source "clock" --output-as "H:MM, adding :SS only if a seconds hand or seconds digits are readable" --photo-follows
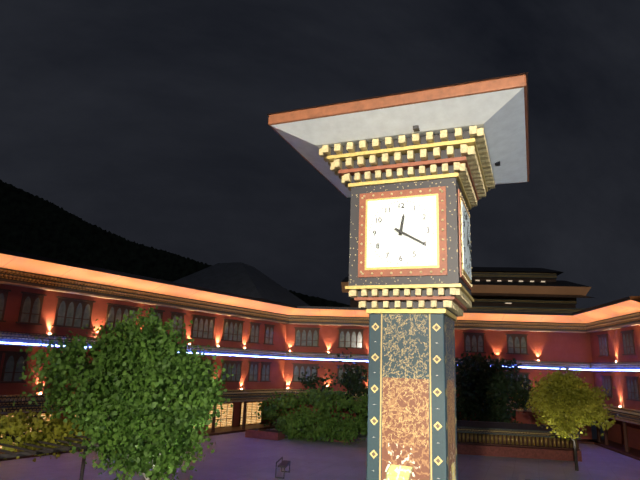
12:20
